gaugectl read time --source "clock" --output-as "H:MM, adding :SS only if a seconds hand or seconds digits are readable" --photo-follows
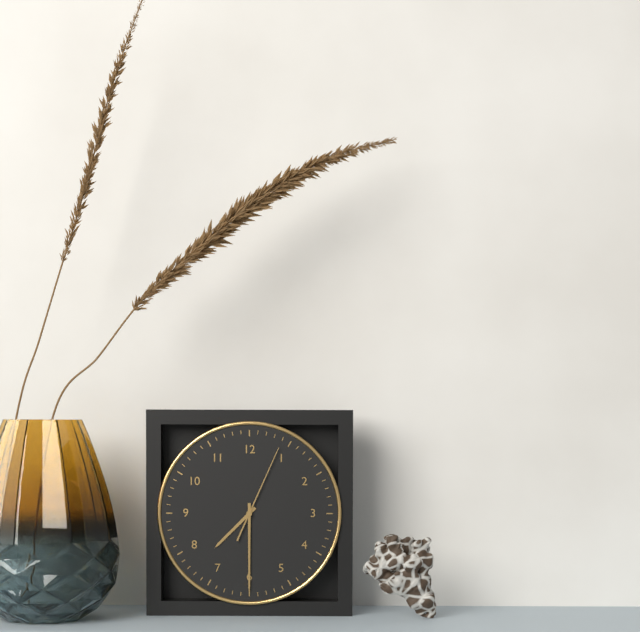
7:30:04
